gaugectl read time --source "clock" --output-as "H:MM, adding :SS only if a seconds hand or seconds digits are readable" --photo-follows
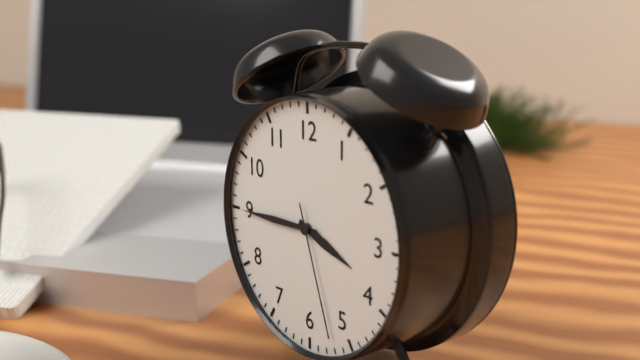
3:45:27
